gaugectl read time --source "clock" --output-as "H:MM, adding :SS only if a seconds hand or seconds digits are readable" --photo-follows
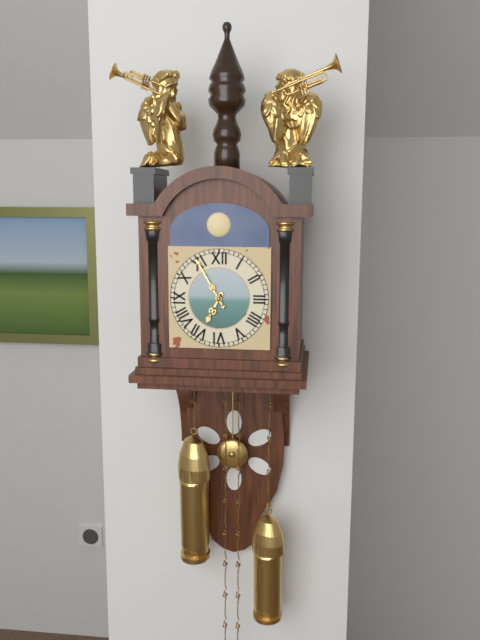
6:55
